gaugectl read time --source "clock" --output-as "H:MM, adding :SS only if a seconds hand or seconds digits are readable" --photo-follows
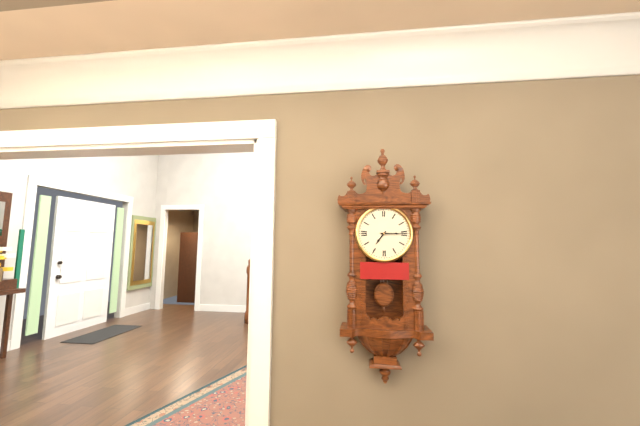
7:15
